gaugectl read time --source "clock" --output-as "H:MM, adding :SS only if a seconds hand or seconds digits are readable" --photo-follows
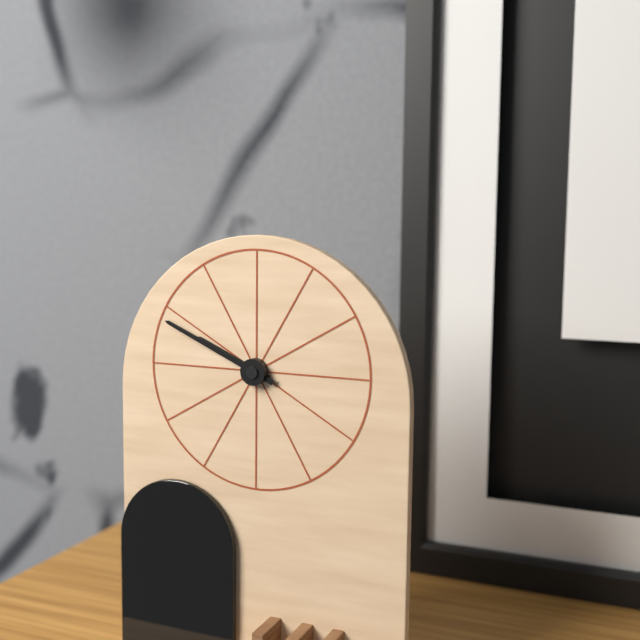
9:49
